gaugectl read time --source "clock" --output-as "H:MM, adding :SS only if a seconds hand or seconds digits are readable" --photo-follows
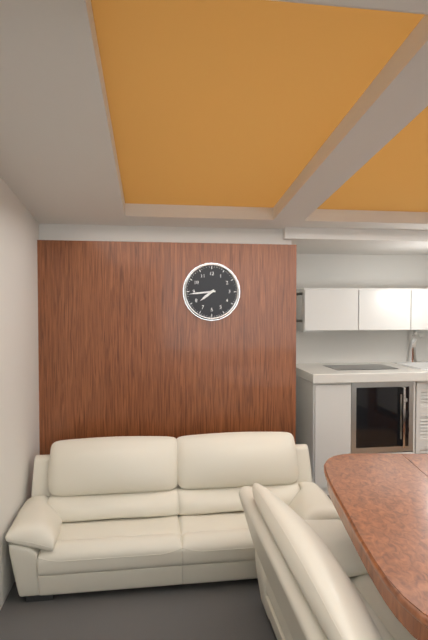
7:44
